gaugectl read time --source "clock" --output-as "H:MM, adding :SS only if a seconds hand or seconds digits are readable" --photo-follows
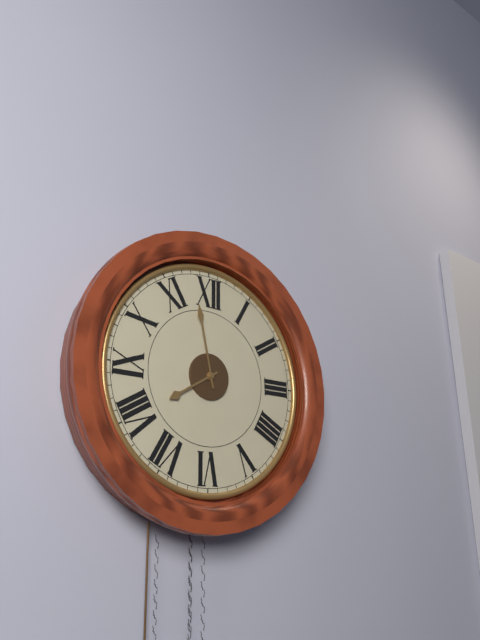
7:58
